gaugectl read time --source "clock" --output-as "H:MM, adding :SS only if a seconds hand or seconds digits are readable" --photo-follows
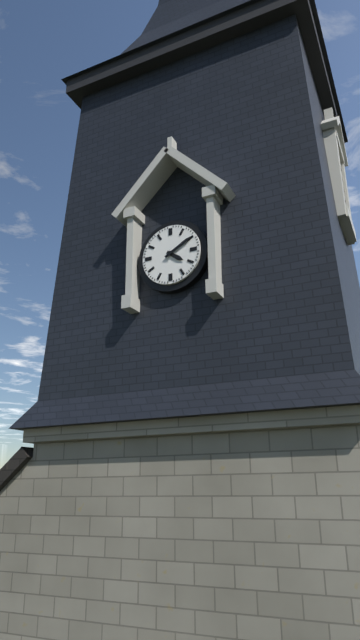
4:10
